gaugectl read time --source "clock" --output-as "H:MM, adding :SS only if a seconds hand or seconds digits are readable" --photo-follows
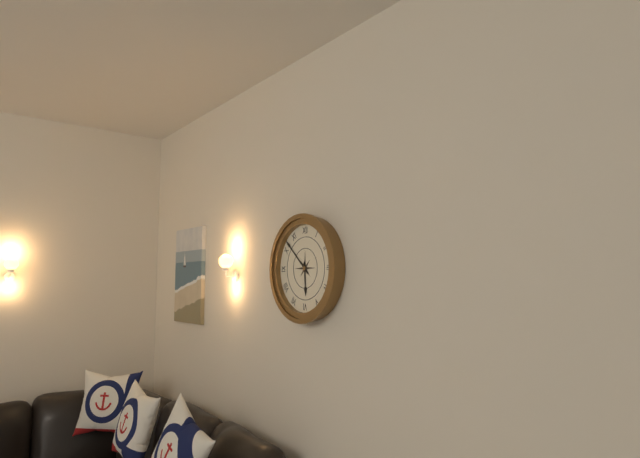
5:52
